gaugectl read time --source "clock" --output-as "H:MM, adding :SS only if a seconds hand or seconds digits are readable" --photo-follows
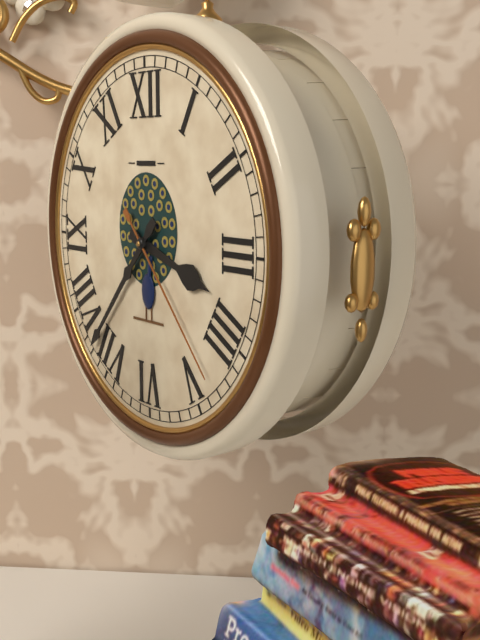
3:37:23
